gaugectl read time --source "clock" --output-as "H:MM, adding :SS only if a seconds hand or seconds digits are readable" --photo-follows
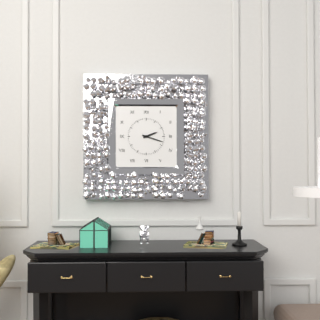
2:18
